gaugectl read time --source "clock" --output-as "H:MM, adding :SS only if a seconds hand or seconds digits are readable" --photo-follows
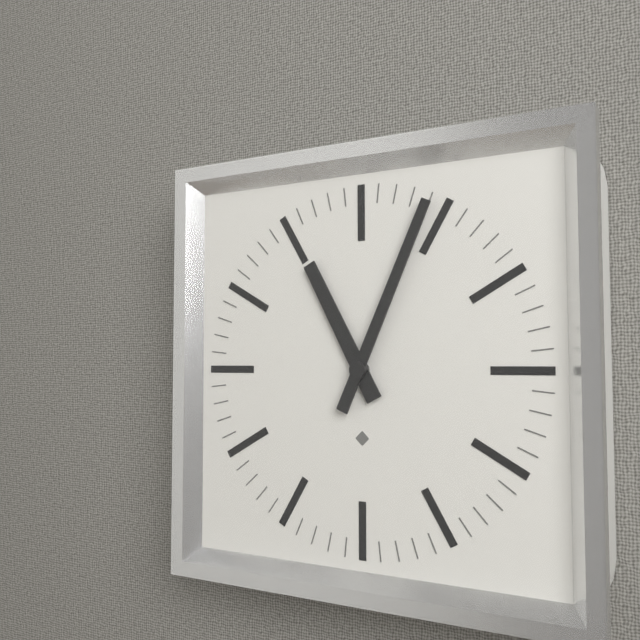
11:04
